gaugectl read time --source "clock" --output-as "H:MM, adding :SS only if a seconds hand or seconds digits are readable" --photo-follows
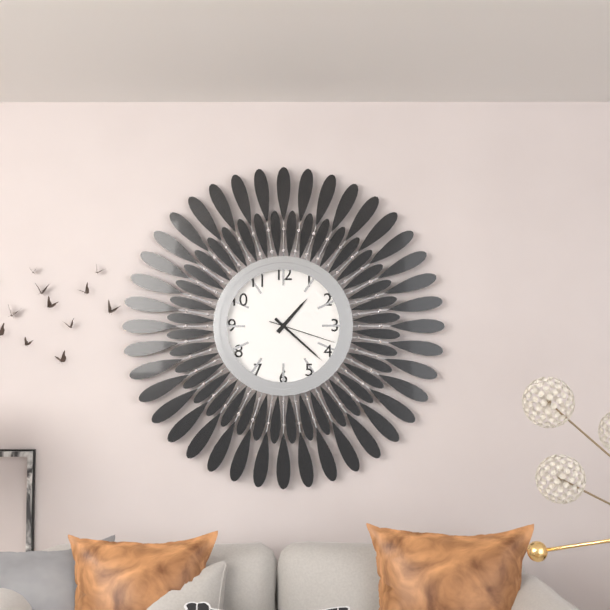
1:22:18
